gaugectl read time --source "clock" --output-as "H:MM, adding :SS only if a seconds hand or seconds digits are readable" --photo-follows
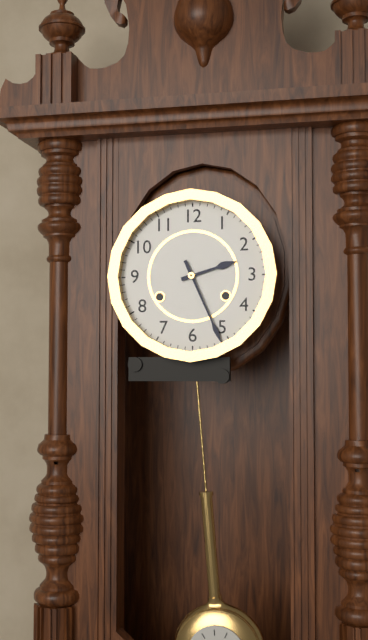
2:26
